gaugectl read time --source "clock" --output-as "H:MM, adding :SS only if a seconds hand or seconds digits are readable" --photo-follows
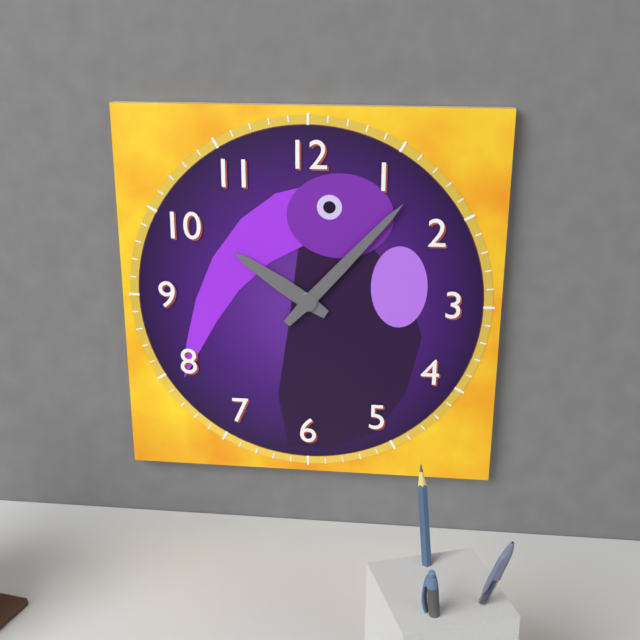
10:07
